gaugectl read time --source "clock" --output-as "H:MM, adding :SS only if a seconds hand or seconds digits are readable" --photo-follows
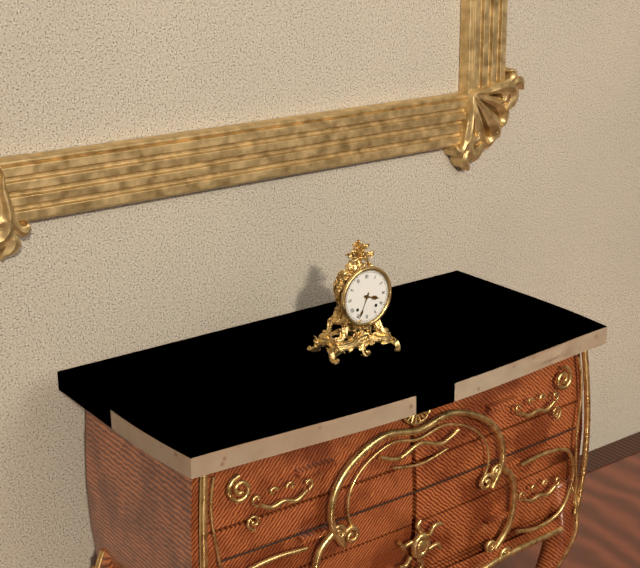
3:34
